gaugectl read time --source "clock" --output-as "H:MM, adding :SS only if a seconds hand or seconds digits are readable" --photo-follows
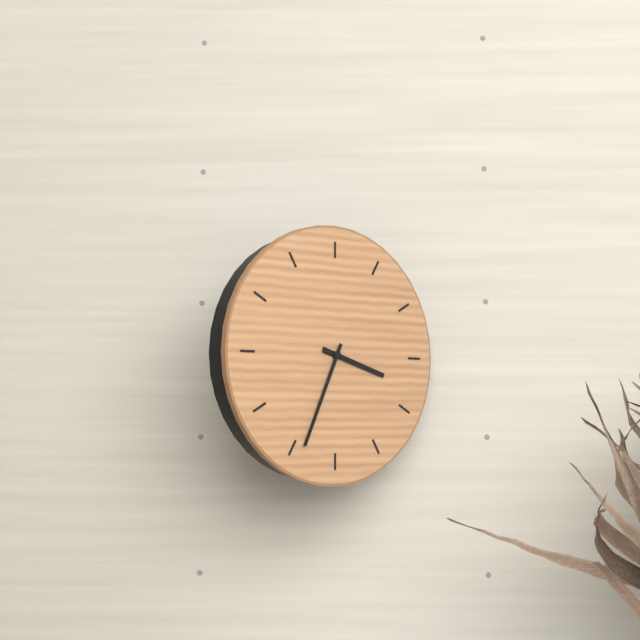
3:34
